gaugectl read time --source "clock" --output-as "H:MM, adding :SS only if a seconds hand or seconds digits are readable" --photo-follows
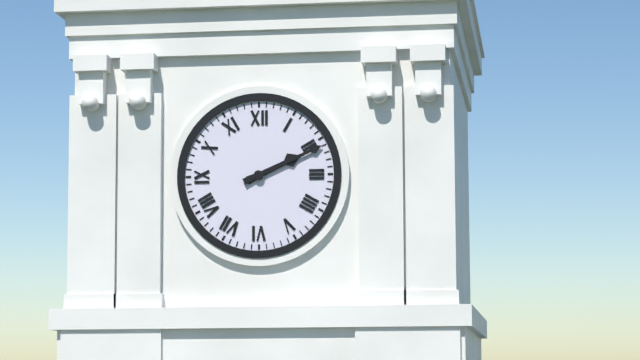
2:11
